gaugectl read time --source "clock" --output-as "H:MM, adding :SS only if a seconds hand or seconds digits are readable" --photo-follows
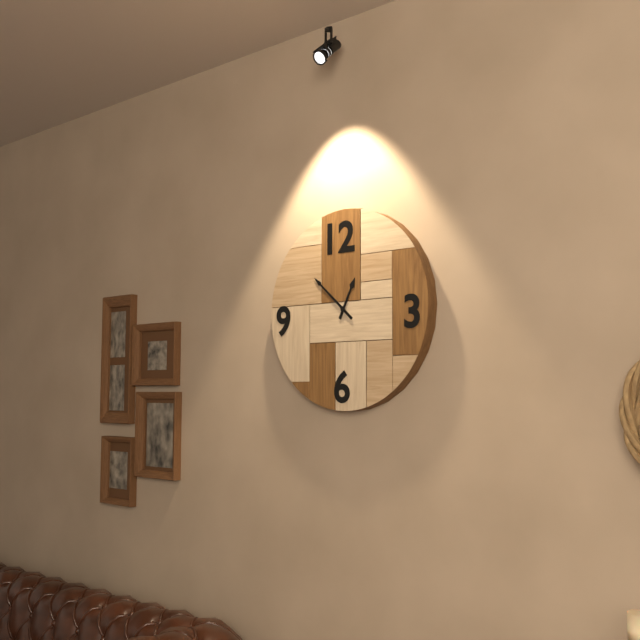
12:52
